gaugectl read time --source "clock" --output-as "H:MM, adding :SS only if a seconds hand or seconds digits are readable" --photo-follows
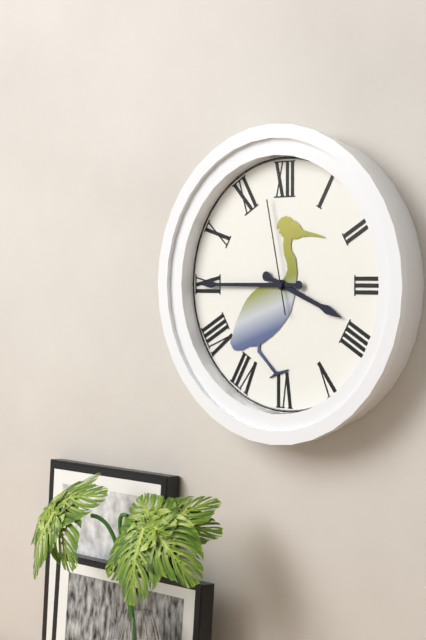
3:45:58
